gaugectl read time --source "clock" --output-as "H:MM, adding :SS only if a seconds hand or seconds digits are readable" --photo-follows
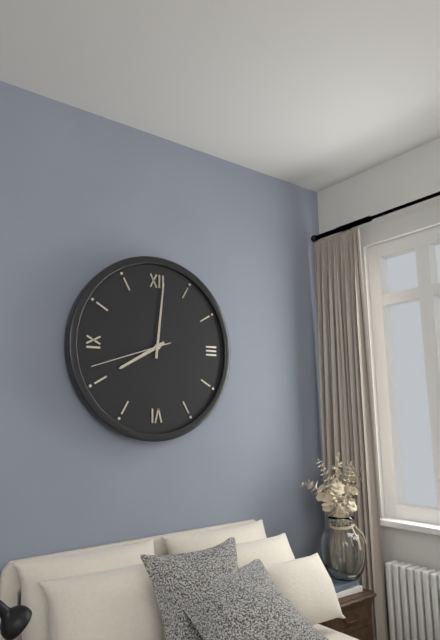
8:01:42
